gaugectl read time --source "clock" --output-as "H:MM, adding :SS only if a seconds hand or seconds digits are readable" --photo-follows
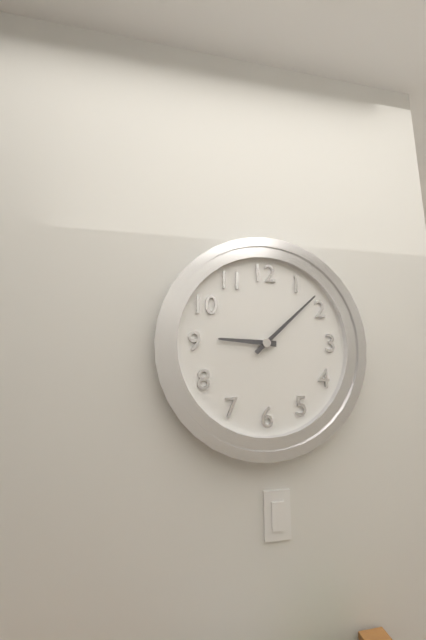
9:08
